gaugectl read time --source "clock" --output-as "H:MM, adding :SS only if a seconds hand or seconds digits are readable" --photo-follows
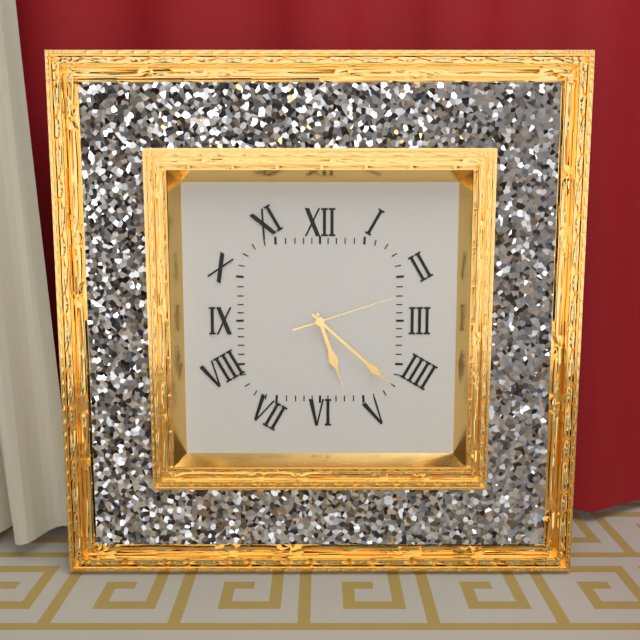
5:22:12
